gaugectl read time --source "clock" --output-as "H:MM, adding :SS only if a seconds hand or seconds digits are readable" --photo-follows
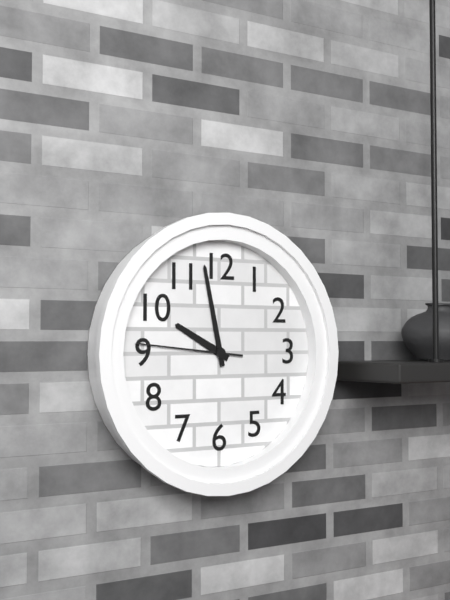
9:58:46
